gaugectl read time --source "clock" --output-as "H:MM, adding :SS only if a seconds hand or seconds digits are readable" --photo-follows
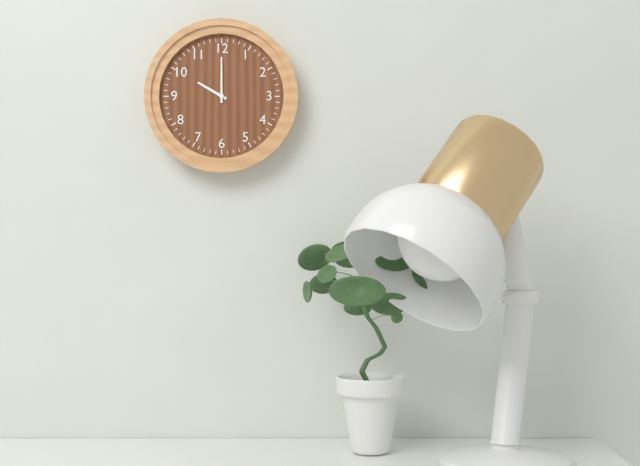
10:00
